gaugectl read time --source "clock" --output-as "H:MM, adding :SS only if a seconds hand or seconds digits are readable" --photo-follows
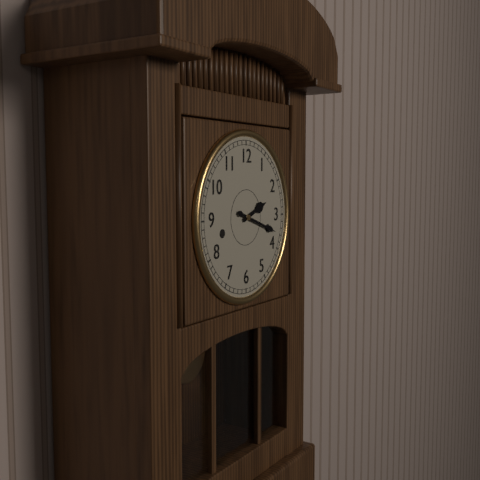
2:18
